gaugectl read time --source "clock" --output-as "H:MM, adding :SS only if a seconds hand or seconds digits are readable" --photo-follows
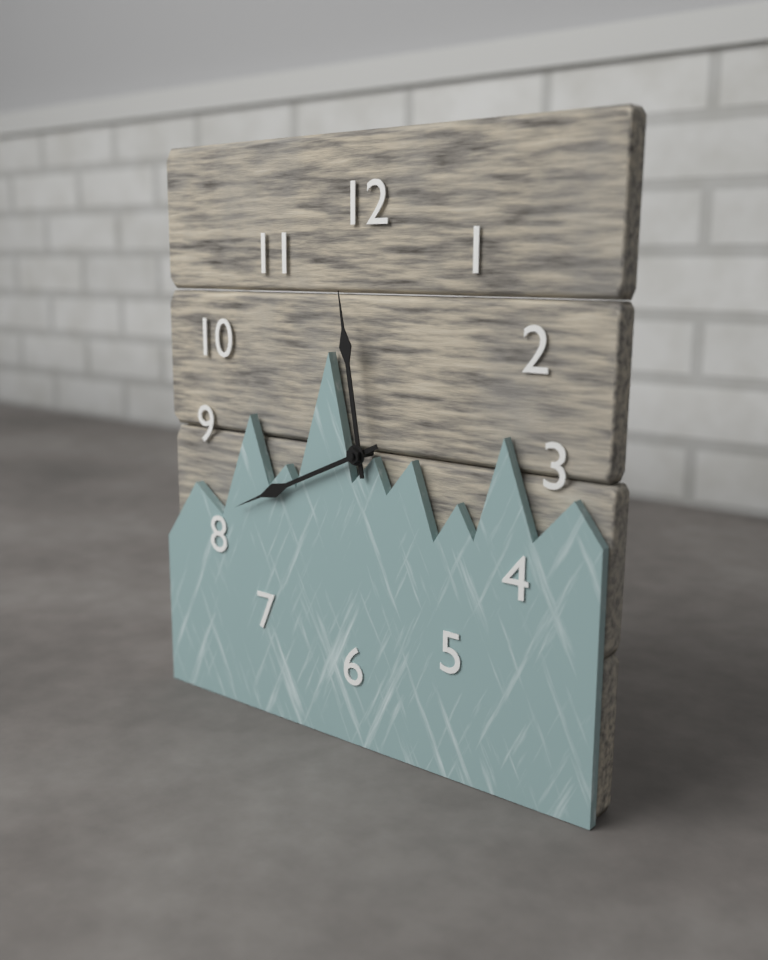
11:41
